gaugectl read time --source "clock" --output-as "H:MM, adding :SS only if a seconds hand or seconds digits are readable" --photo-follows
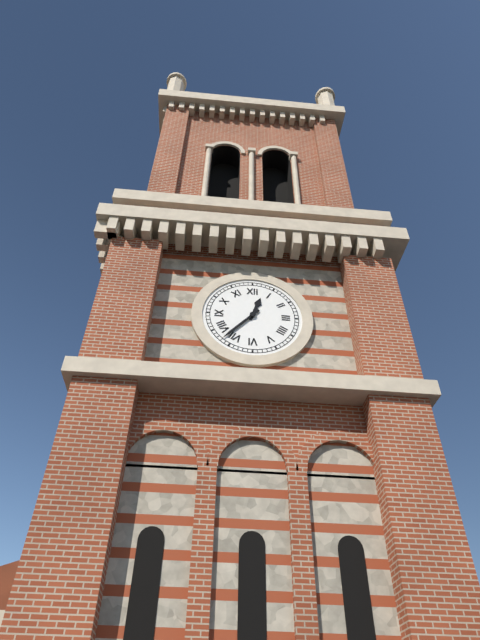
12:37
